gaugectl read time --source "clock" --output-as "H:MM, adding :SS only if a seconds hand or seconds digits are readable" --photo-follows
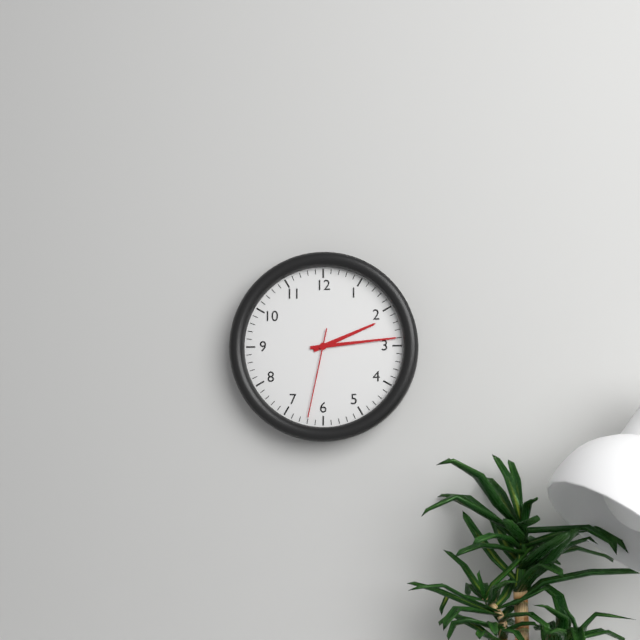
2:14:32
